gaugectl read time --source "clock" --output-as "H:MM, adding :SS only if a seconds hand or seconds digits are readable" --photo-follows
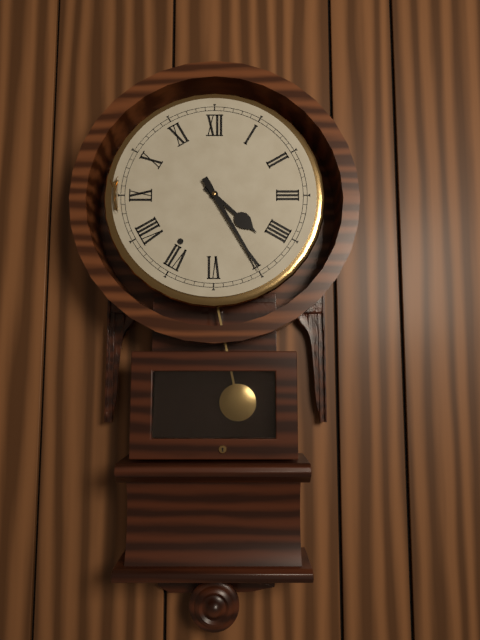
4:25
